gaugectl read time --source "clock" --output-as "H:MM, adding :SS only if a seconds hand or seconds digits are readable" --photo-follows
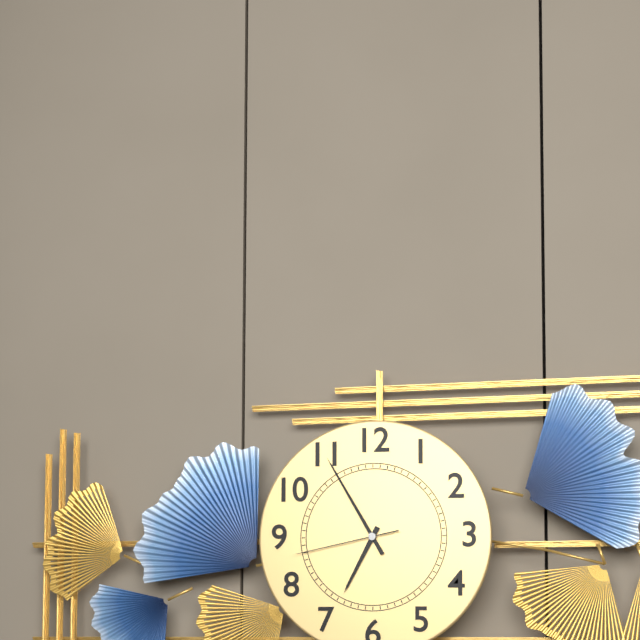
6:55:43
